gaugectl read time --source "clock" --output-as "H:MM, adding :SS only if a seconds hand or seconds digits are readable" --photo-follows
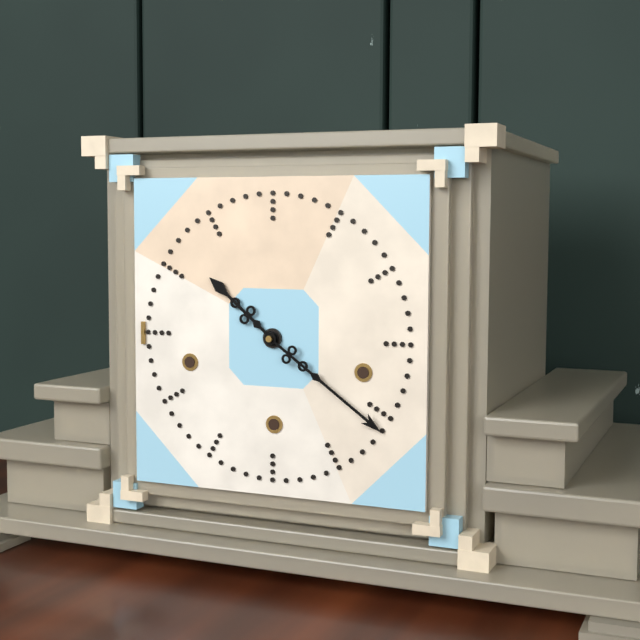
10:21
